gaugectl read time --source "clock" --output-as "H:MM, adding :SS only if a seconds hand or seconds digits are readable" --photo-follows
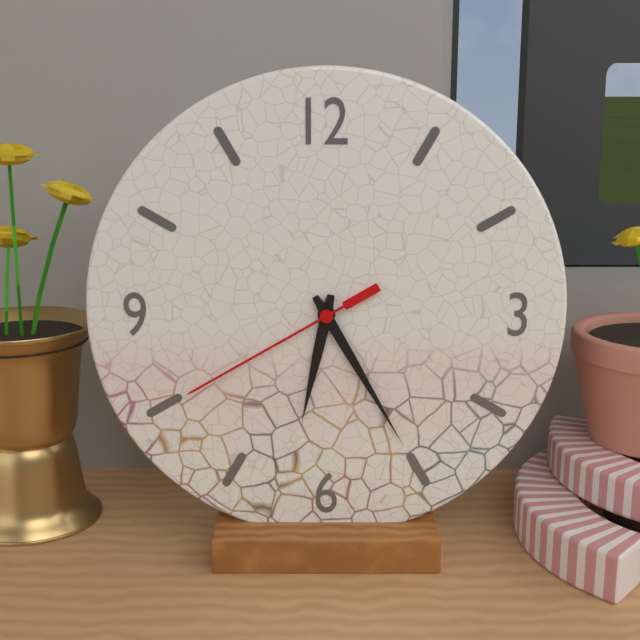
6:25:40
